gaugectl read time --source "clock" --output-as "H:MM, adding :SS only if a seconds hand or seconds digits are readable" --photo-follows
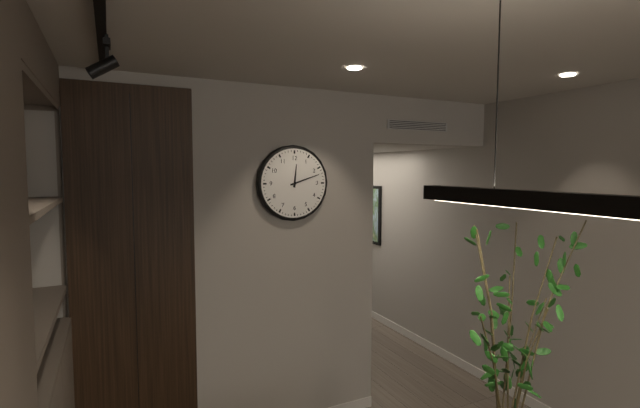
12:12
